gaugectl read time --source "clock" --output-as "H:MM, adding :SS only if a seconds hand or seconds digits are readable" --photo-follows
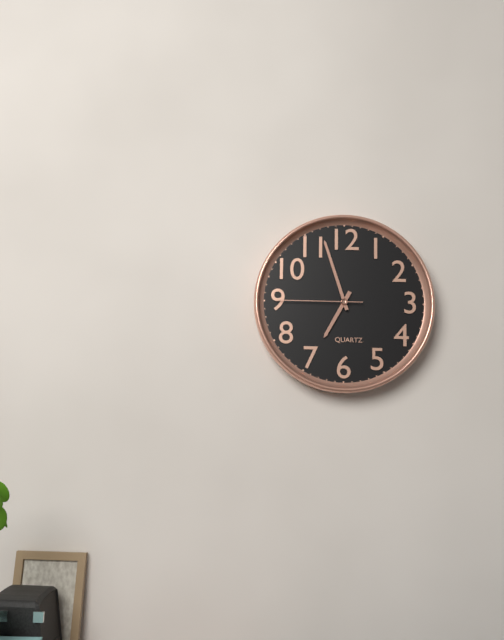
6:57:45
